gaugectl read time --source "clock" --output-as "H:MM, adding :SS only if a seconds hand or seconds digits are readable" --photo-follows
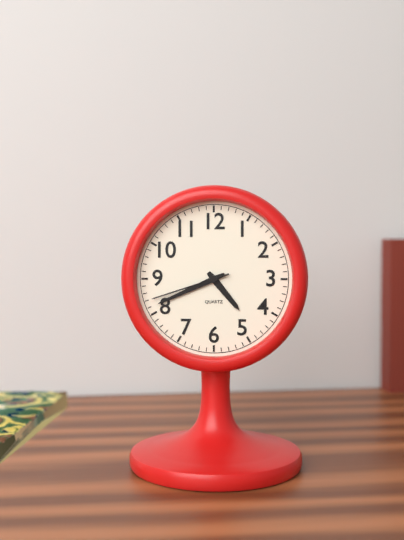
4:41:42
